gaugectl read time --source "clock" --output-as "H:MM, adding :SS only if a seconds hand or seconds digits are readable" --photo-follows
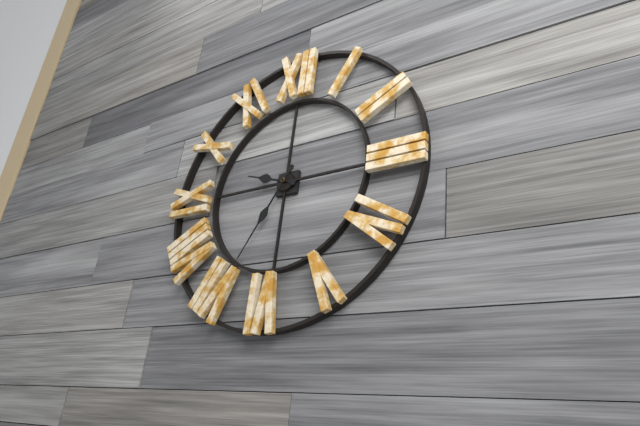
9:35
